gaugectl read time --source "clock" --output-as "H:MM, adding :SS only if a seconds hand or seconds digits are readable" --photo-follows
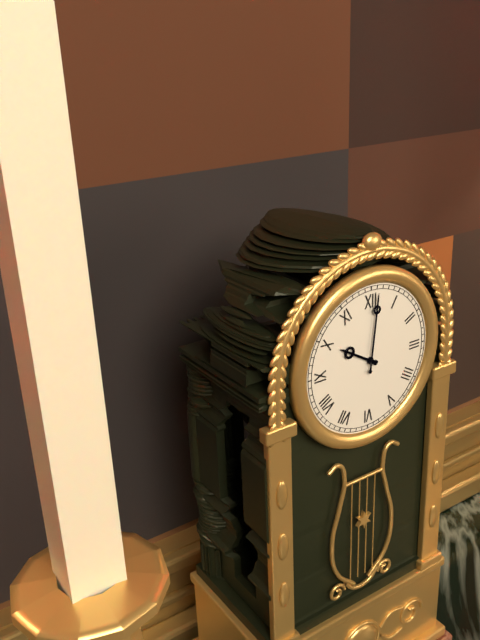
10:01
